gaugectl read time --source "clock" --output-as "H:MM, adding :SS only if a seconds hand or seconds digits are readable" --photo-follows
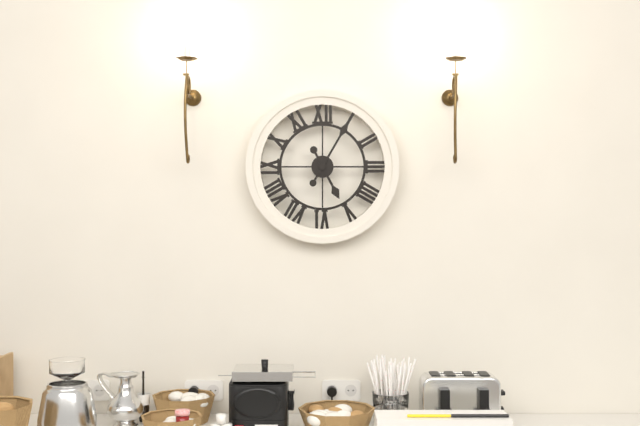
5:05
